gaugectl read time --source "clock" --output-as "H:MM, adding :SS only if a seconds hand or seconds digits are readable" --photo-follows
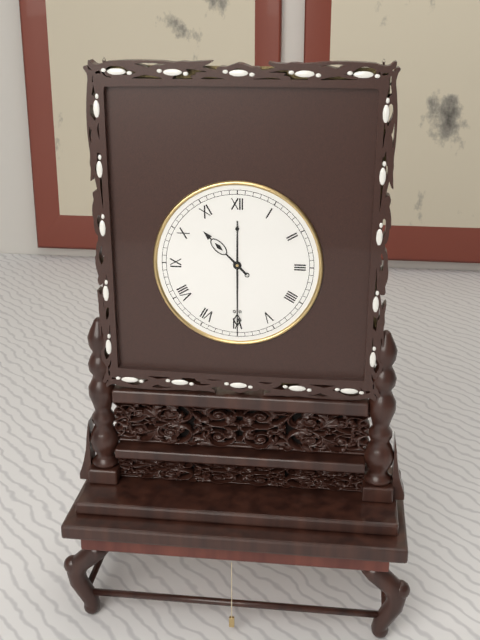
10:30
